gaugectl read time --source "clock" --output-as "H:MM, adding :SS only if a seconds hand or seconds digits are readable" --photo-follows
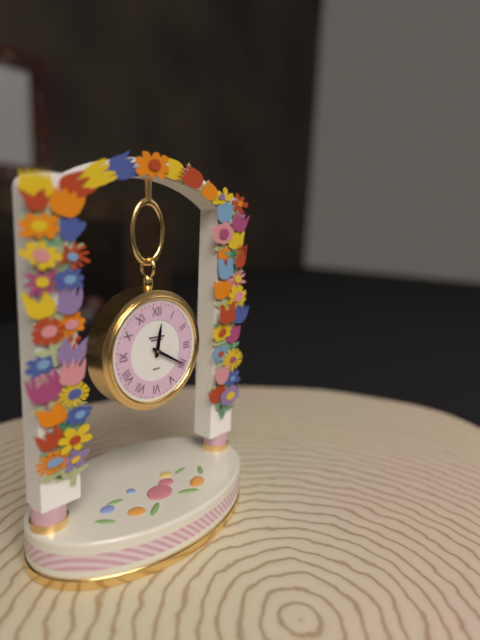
12:20
